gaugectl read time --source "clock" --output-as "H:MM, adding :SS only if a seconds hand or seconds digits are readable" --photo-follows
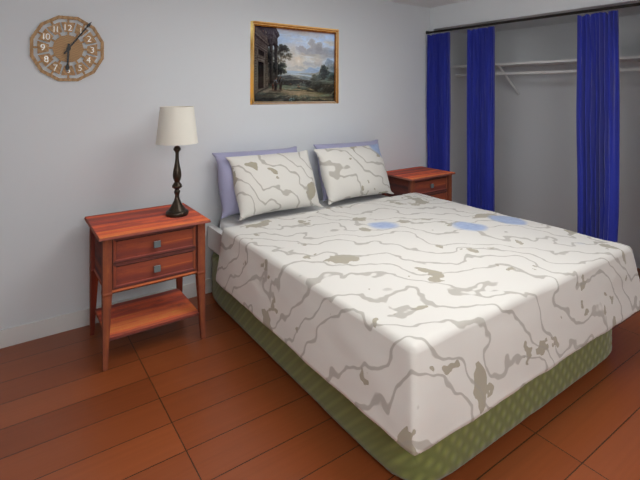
6:06
